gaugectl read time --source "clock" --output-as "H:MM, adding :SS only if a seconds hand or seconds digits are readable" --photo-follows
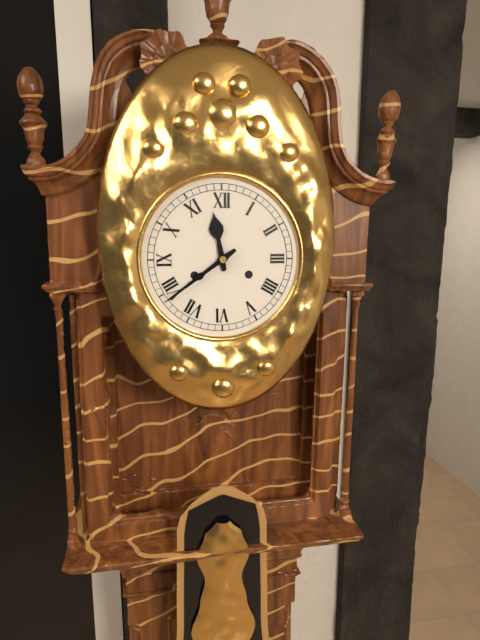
11:39
